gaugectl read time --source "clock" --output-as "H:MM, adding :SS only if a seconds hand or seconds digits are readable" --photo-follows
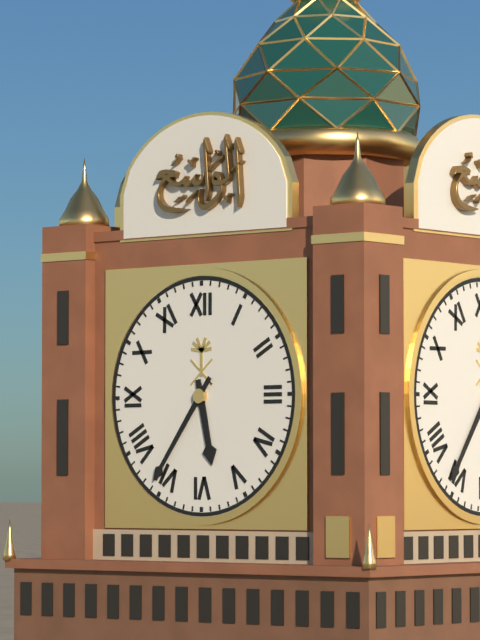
5:36
